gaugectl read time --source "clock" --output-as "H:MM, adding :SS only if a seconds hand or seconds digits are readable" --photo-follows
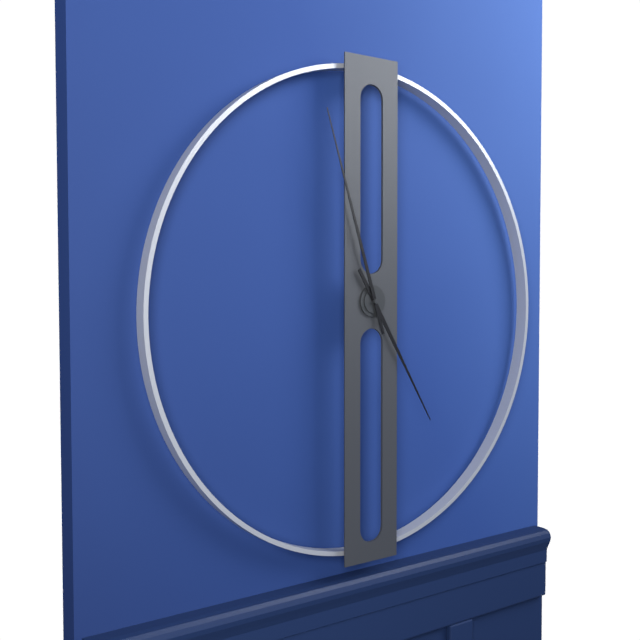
4:57
